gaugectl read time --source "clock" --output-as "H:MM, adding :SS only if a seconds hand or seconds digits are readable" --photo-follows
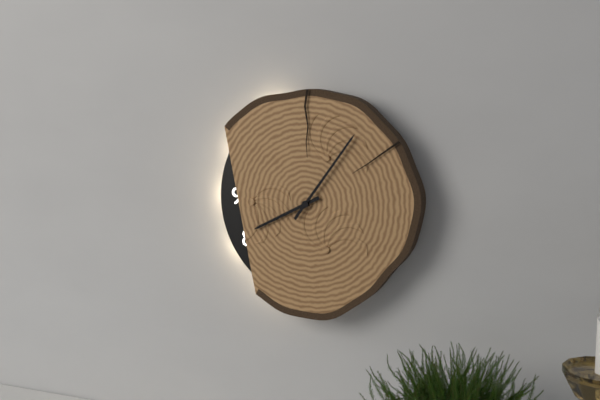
8:06
